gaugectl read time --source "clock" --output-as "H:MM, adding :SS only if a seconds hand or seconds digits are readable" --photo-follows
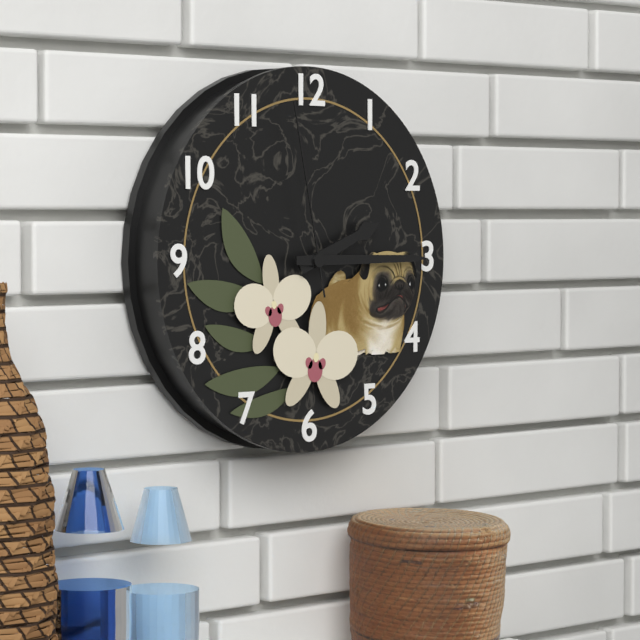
2:15:58
